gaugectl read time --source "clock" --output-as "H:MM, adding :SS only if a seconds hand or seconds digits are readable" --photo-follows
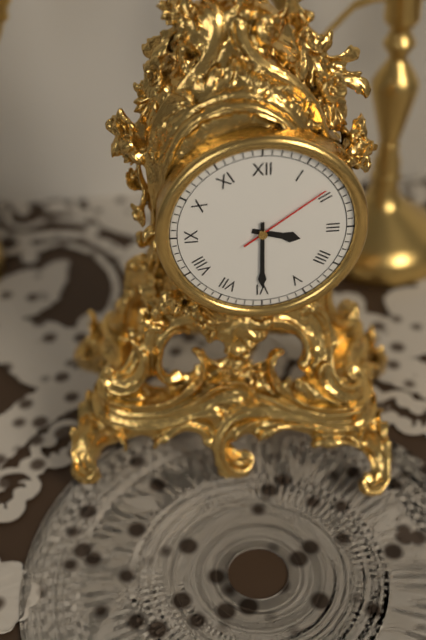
3:30:09
